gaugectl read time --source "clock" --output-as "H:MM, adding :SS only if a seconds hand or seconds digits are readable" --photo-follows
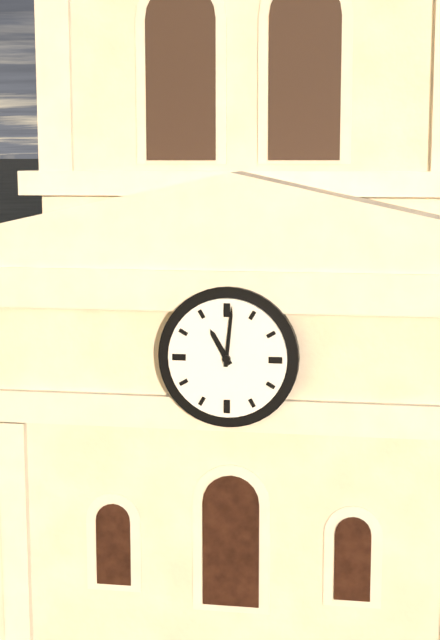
11:01
